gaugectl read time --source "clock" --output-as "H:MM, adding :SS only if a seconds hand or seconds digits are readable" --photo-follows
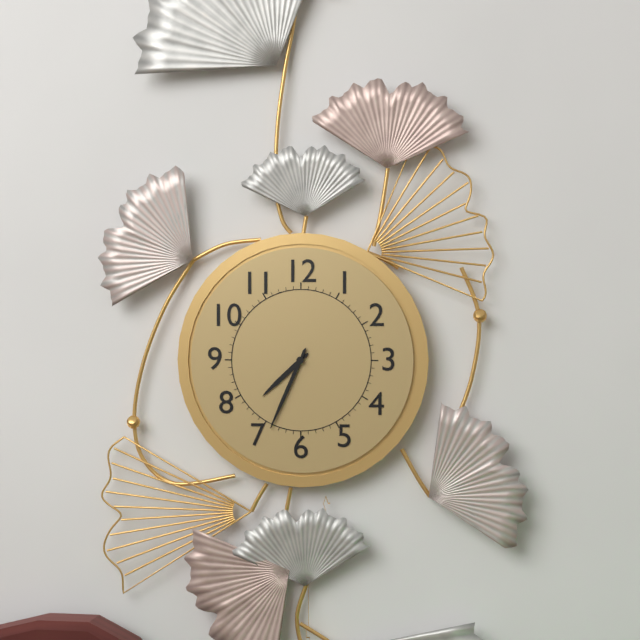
7:34
